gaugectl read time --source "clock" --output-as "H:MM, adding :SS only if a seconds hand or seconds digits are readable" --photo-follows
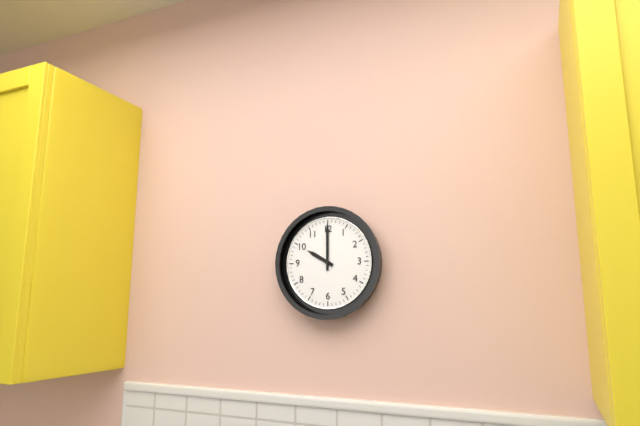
10:00
